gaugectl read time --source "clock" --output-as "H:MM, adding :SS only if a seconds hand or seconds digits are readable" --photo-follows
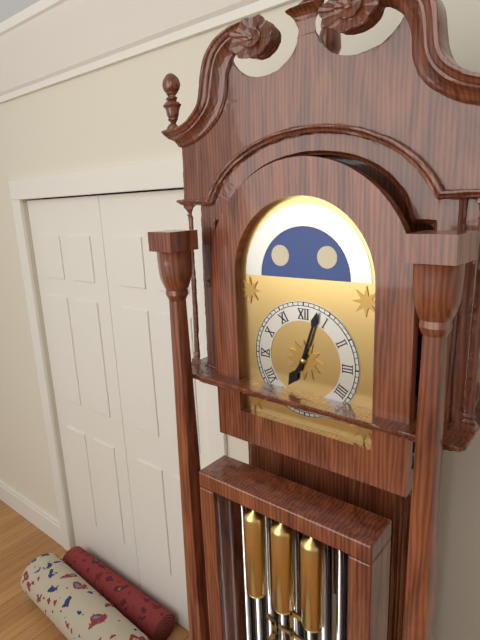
7:03
